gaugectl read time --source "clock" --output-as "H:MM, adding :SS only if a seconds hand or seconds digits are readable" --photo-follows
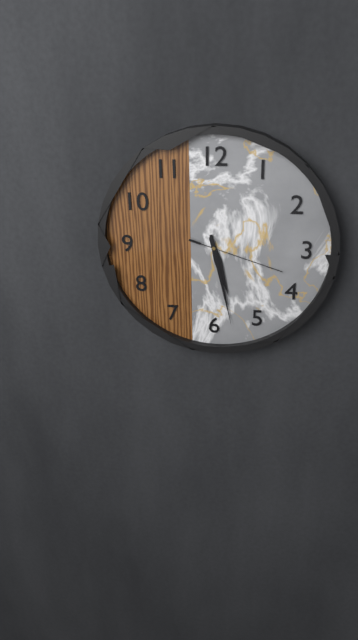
5:28:18
